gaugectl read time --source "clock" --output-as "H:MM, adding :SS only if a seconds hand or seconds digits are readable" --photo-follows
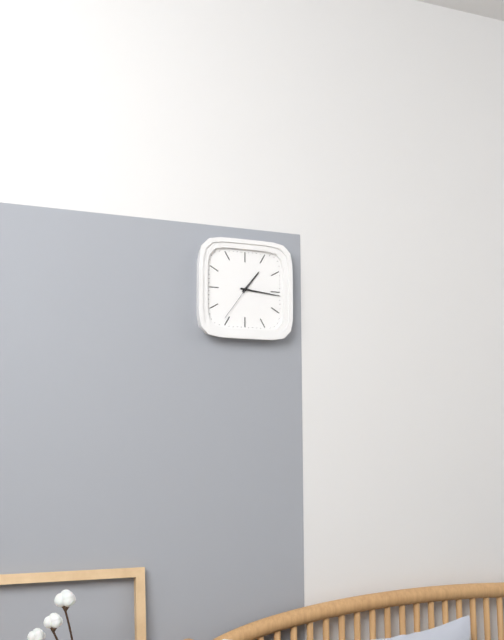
1:16
